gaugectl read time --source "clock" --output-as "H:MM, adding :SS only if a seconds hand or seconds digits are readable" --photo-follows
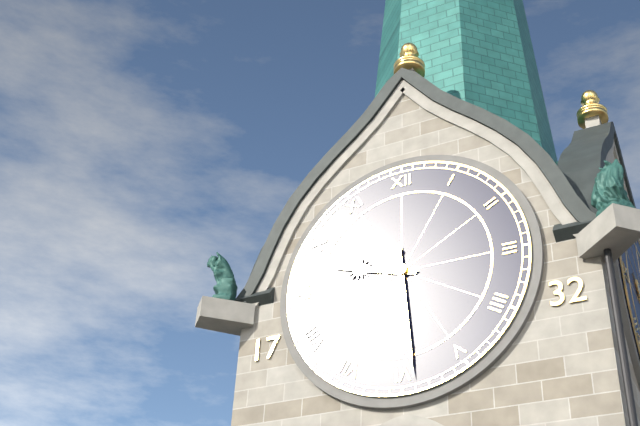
9:29
